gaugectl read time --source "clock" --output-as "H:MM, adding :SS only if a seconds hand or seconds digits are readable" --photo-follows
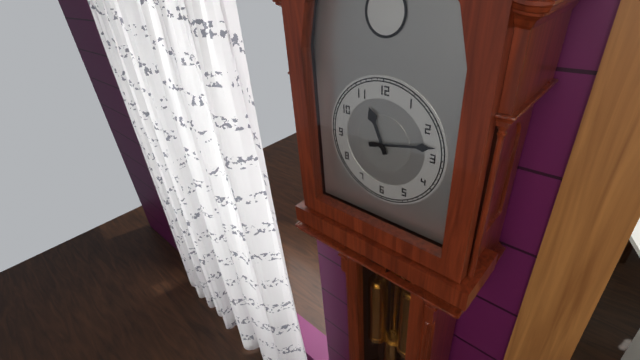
11:13
